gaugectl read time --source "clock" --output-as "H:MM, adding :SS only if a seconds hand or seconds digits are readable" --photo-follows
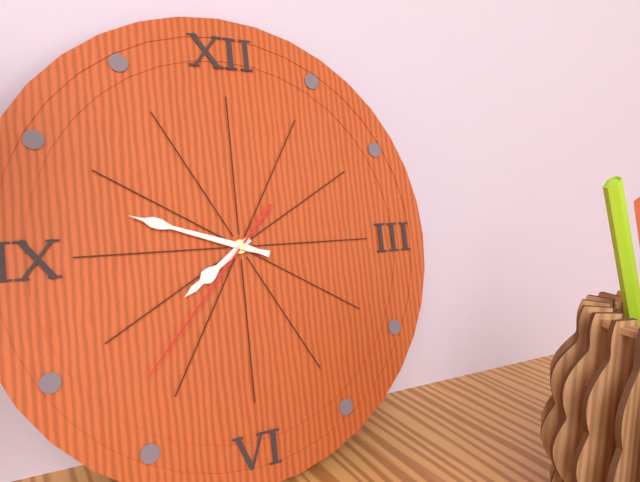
7:48:37
